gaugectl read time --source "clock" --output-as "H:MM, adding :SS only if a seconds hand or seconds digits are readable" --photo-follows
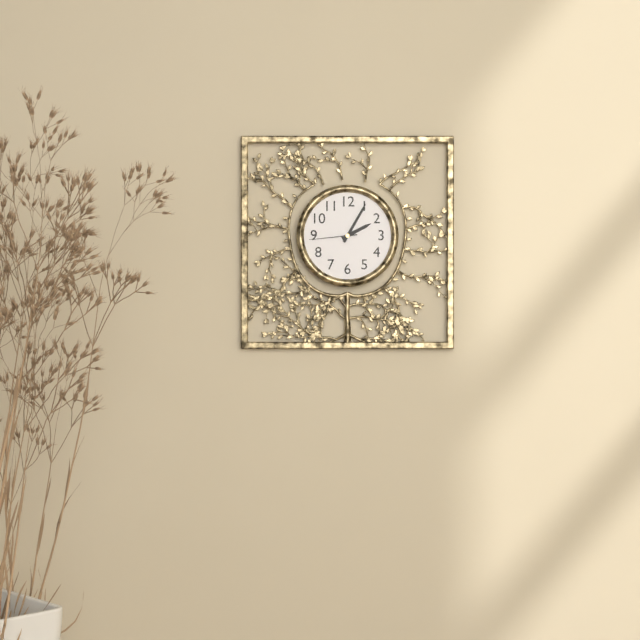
2:05
